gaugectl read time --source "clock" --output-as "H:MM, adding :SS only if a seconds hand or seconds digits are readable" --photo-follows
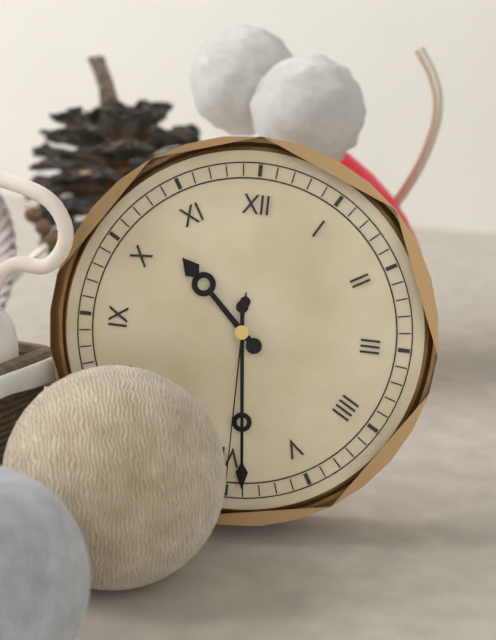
10:29:30
